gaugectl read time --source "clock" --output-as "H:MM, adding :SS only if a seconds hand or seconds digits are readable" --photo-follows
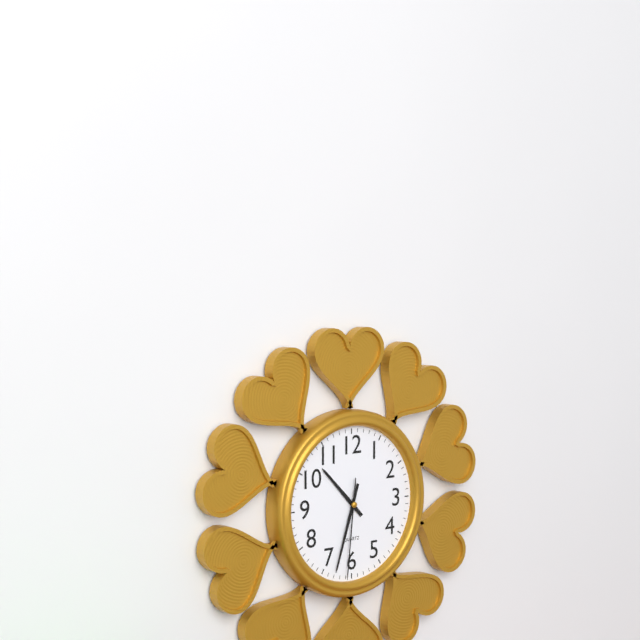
10:33:31
